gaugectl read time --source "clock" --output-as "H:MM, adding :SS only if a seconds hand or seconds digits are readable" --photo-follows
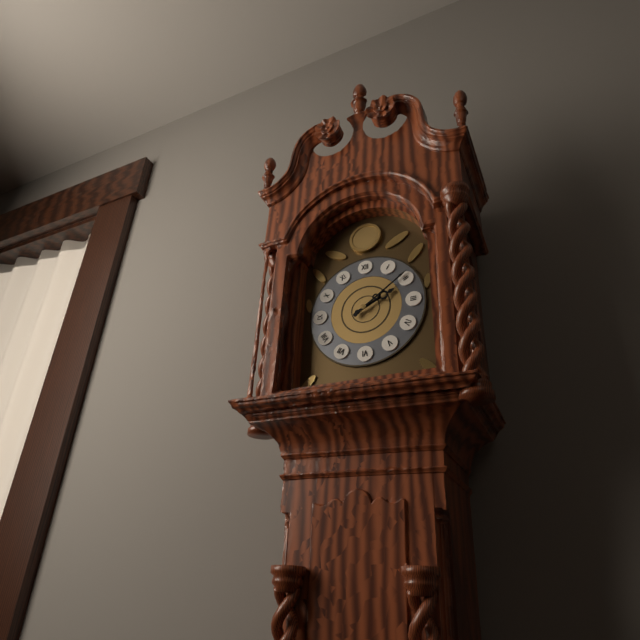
2:09
